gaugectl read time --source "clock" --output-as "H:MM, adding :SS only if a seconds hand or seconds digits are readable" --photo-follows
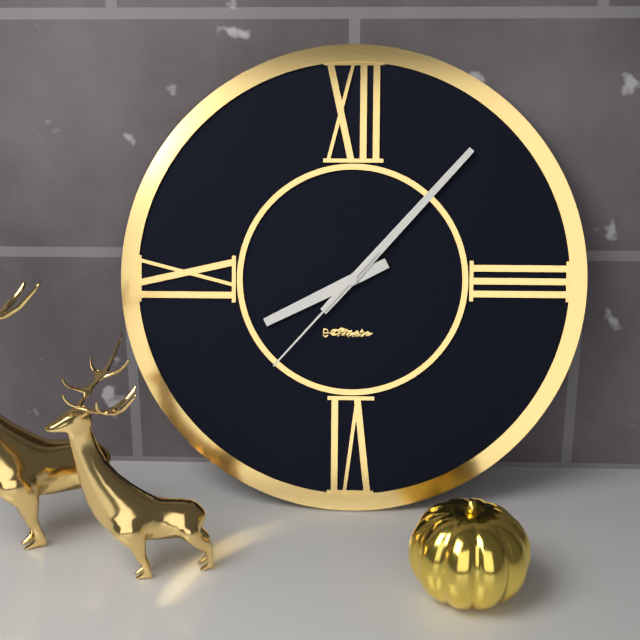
8:07:37
